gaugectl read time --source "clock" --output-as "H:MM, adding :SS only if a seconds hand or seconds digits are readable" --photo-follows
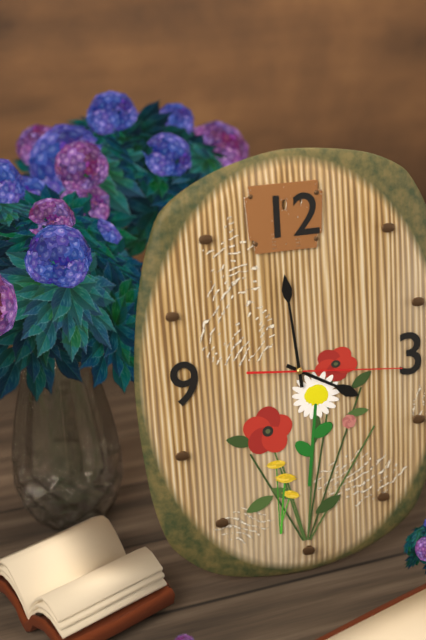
3:59:16
